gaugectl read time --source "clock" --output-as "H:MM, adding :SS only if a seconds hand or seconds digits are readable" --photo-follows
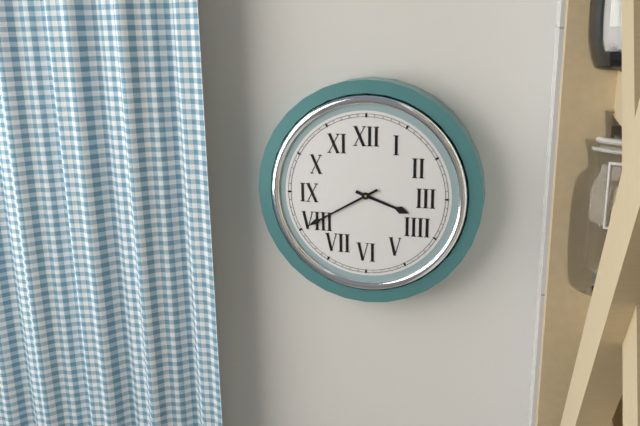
3:40
